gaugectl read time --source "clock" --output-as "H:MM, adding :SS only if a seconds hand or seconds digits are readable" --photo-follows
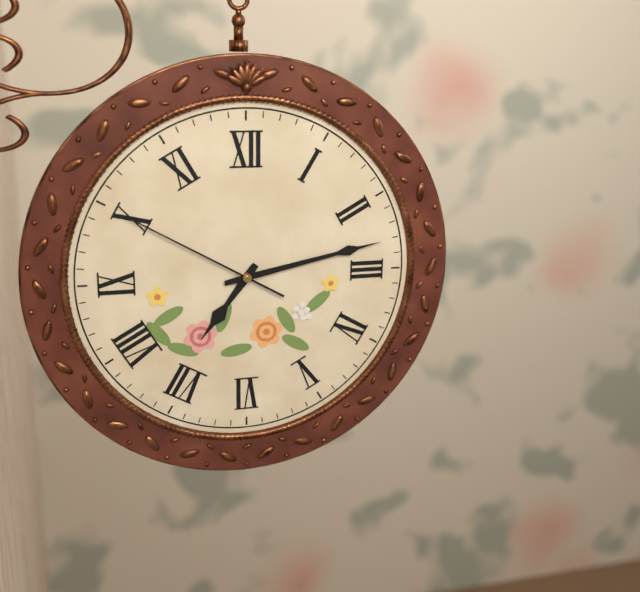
7:13:50
